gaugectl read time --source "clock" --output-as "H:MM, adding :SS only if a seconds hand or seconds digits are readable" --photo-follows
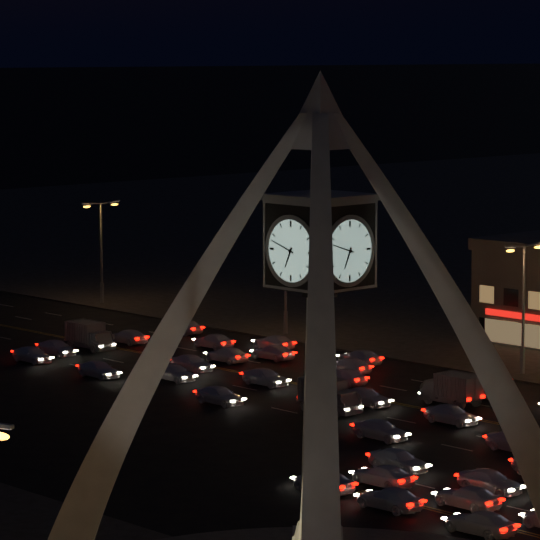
6:48
